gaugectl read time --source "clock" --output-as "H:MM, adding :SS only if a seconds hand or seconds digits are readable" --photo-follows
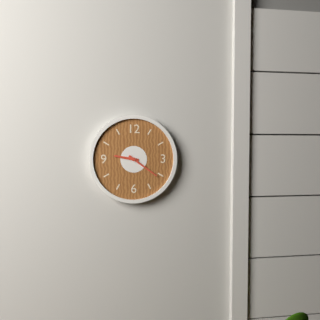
9:21
